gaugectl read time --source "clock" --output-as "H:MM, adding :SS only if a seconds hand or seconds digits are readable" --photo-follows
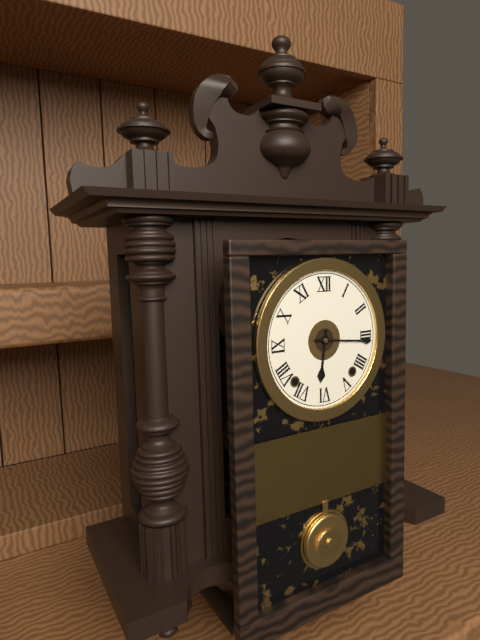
6:16
